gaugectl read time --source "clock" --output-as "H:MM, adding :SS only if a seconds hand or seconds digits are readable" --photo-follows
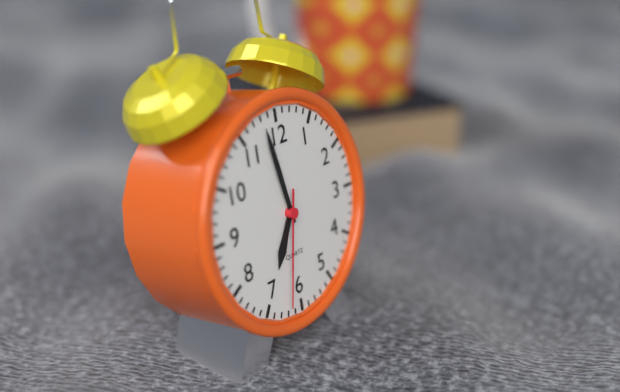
6:58:32
